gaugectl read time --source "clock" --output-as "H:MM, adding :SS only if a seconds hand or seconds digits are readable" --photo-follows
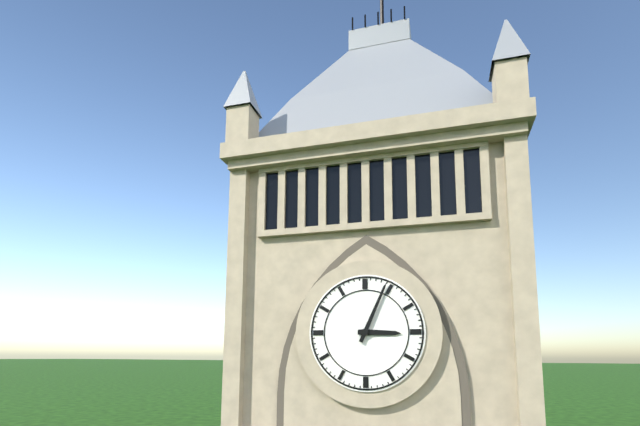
3:04
